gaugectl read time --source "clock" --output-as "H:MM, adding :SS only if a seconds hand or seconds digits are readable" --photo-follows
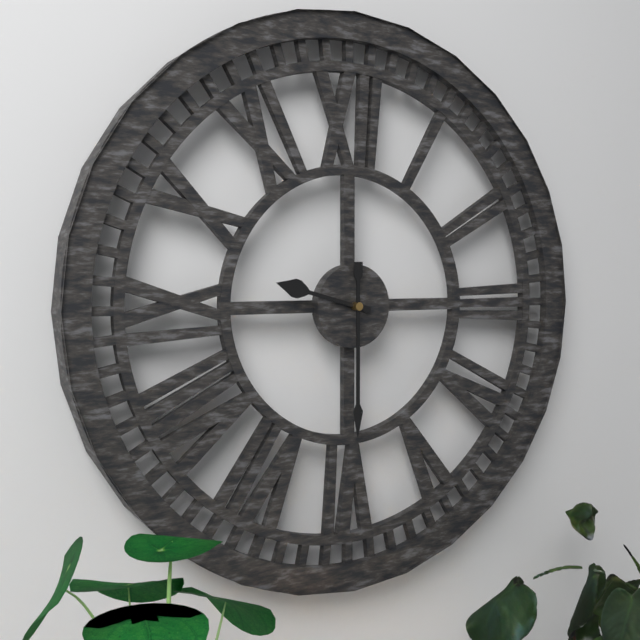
9:30
